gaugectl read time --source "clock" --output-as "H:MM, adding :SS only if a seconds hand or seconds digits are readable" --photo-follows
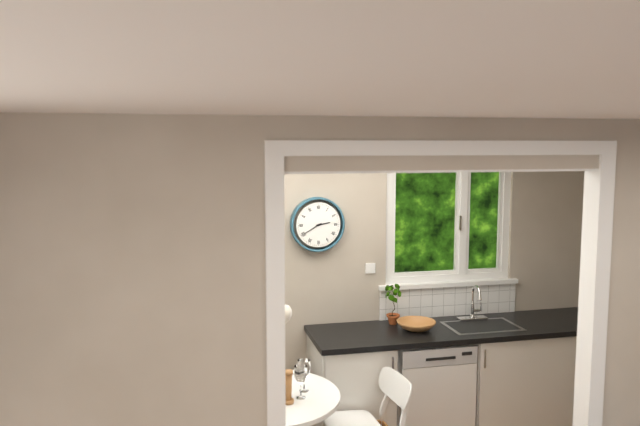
2:40
